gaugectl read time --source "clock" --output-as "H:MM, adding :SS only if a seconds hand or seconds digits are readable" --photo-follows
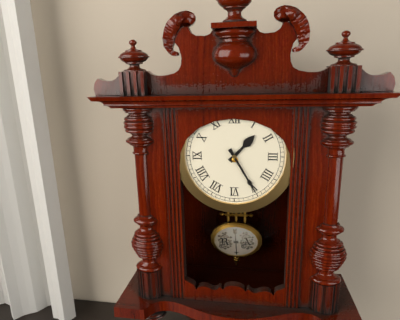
1:25
